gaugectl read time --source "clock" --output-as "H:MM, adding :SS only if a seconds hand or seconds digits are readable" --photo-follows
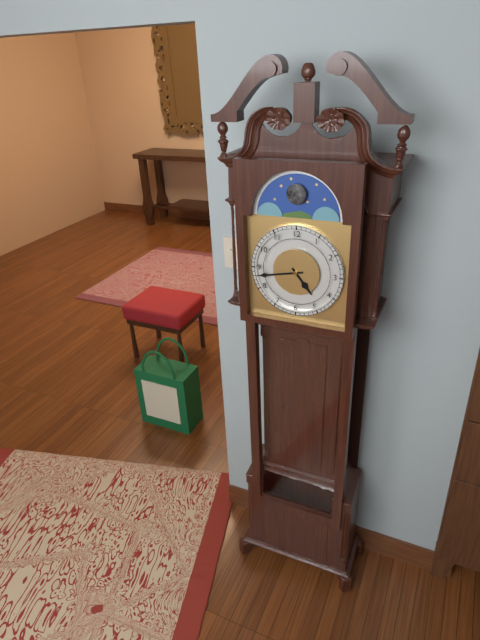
4:43
